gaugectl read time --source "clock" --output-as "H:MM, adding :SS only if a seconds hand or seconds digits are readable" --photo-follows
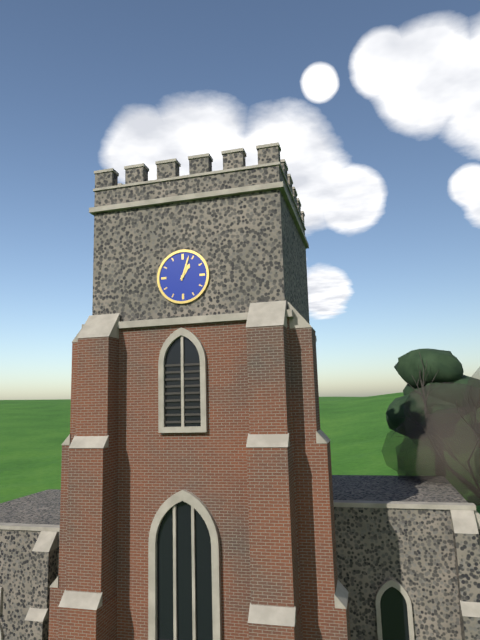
1:03
